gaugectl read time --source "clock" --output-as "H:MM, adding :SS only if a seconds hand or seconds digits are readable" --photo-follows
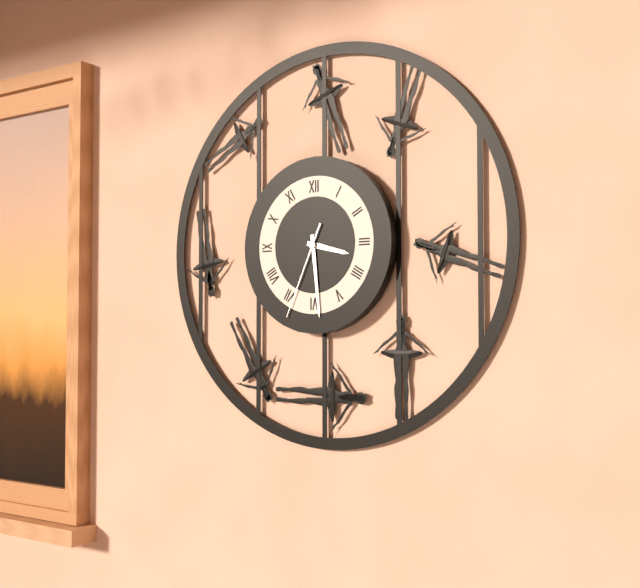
3:29:34
